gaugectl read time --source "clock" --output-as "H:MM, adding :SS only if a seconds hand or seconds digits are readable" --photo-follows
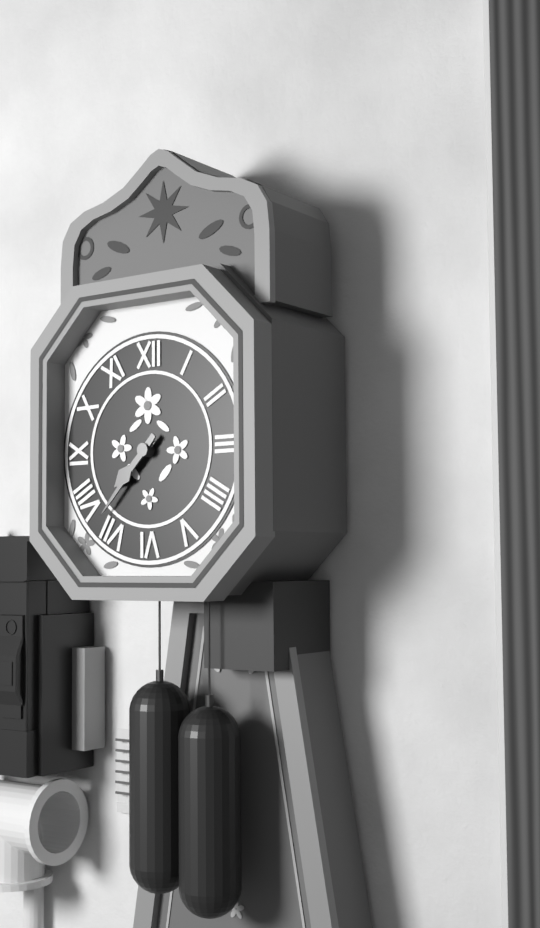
7:37
